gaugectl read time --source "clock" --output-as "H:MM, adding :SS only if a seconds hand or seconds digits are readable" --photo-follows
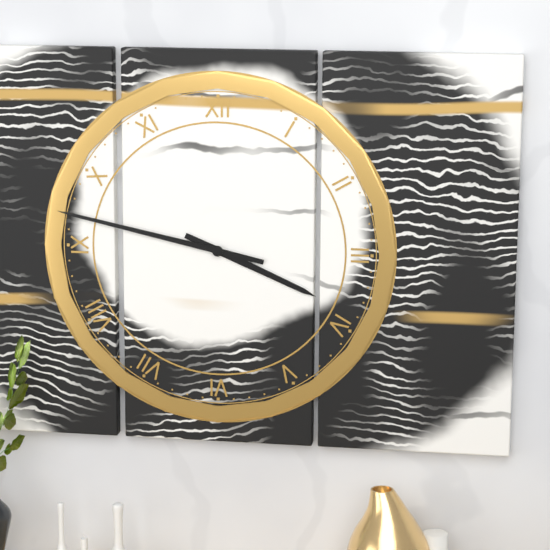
3:47
